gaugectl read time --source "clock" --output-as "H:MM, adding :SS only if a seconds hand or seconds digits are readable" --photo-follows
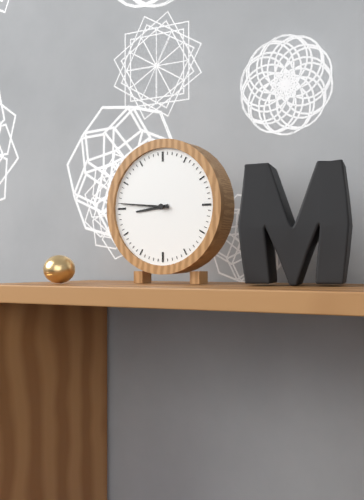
8:46
